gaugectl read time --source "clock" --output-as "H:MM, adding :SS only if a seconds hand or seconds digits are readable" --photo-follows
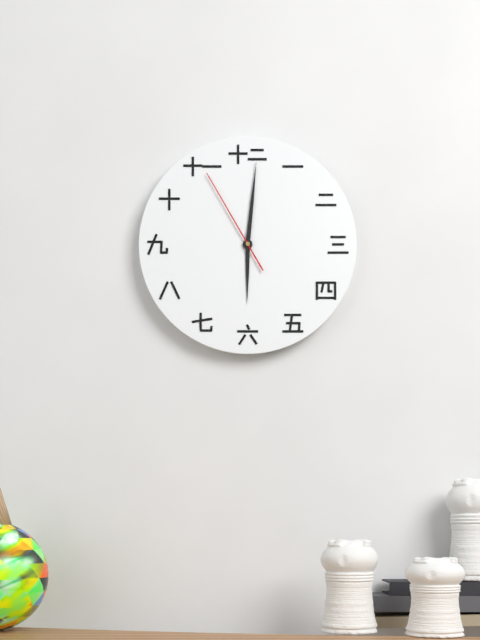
6:01:55
